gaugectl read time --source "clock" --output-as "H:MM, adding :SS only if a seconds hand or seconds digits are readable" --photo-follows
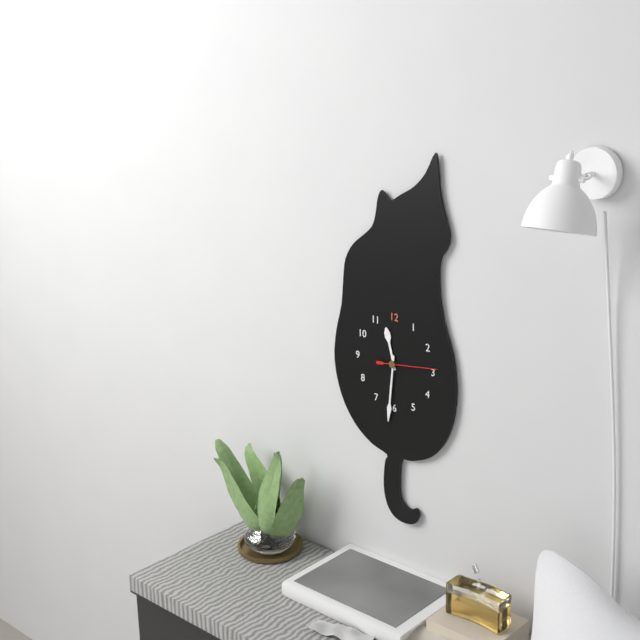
11:31
